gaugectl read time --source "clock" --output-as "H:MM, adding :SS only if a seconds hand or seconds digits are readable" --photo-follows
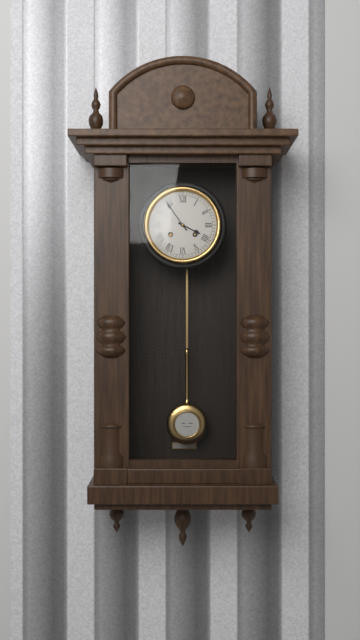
3:54
